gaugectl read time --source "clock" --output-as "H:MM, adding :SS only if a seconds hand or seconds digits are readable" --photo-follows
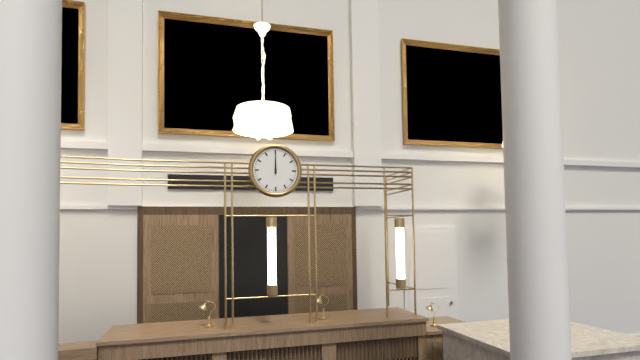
12:00
